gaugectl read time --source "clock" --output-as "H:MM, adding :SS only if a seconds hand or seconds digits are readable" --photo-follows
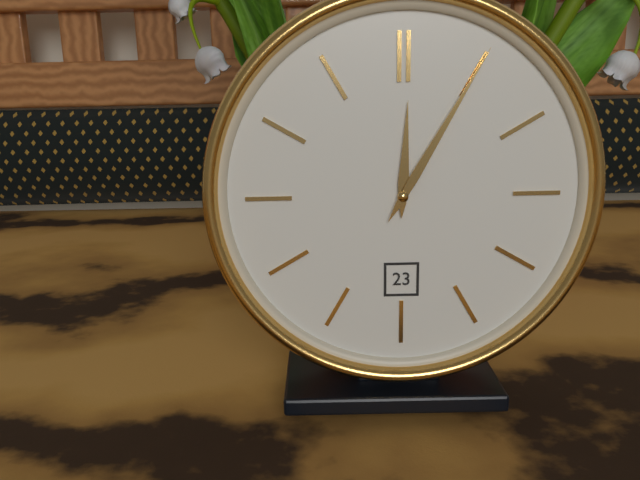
12:05
